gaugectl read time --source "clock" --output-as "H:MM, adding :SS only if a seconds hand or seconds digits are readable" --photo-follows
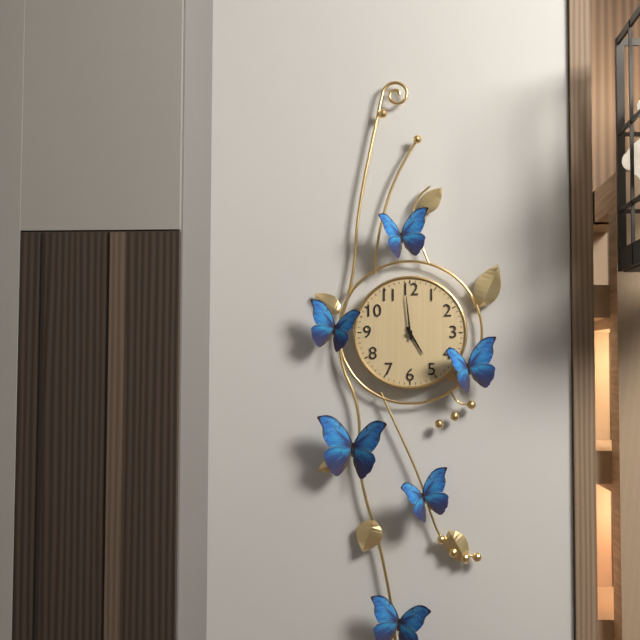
4:59
